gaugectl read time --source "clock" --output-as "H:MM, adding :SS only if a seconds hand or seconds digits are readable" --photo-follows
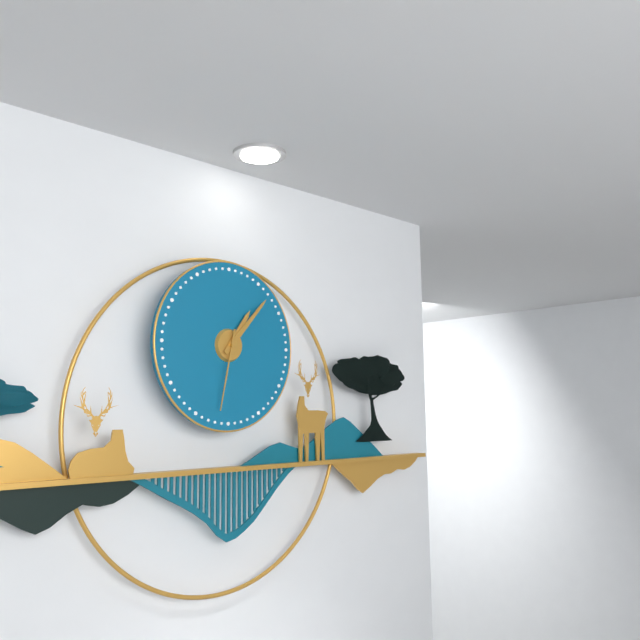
1:07:32
